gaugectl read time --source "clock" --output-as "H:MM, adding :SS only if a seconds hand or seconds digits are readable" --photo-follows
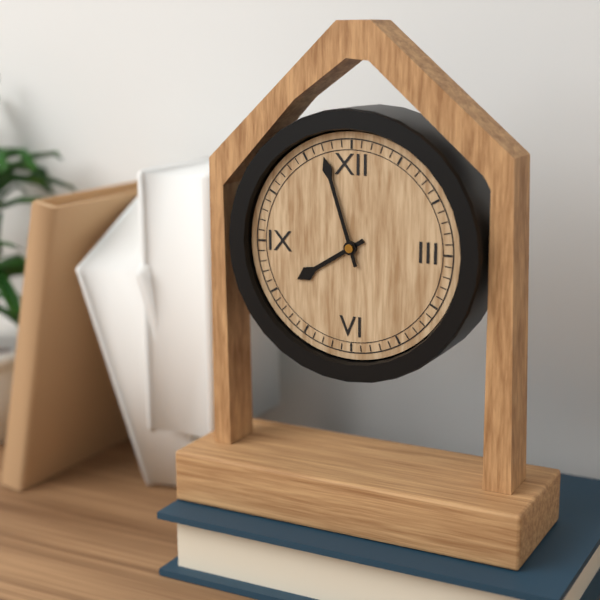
7:57
